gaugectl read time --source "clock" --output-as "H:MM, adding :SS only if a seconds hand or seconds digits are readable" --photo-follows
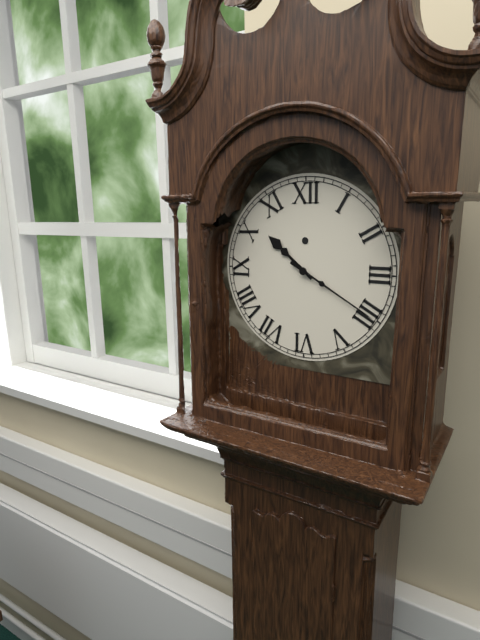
10:20
